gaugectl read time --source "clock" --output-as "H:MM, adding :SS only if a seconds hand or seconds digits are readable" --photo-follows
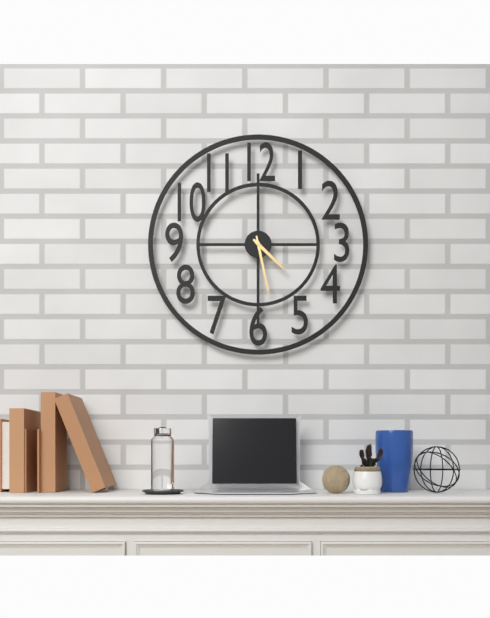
4:28
